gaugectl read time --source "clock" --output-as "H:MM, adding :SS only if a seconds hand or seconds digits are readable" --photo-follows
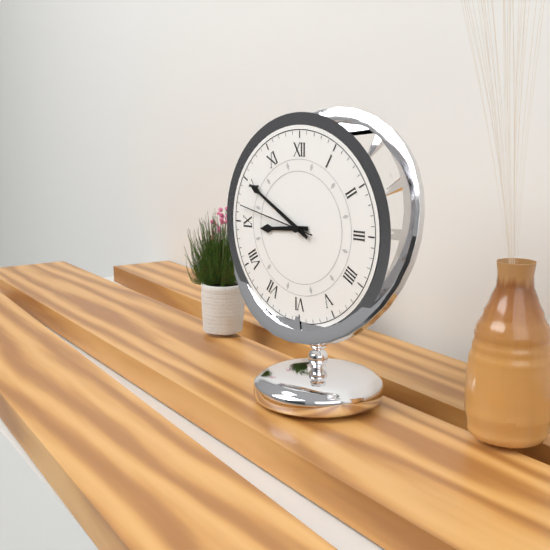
8:50:47
